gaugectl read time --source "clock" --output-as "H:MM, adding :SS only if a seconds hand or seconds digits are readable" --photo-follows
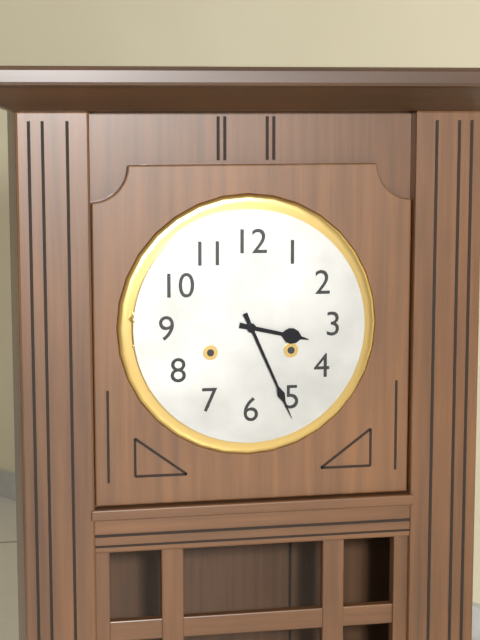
3:26
